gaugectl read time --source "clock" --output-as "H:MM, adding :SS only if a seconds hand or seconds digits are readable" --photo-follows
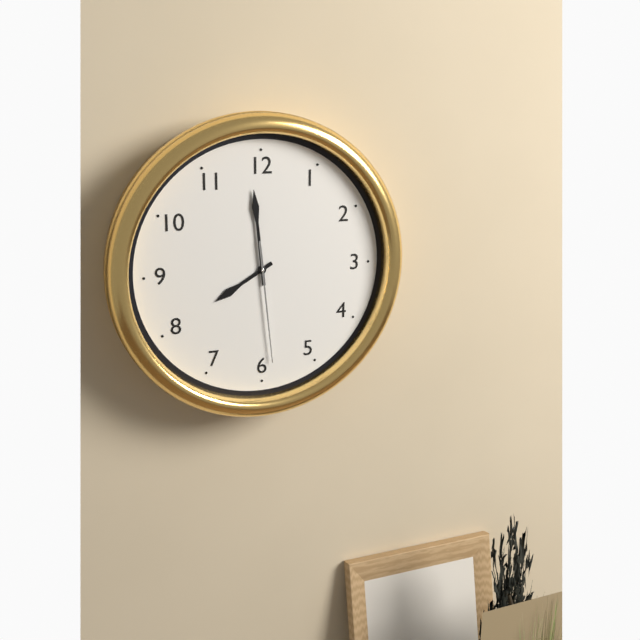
7:59:29
